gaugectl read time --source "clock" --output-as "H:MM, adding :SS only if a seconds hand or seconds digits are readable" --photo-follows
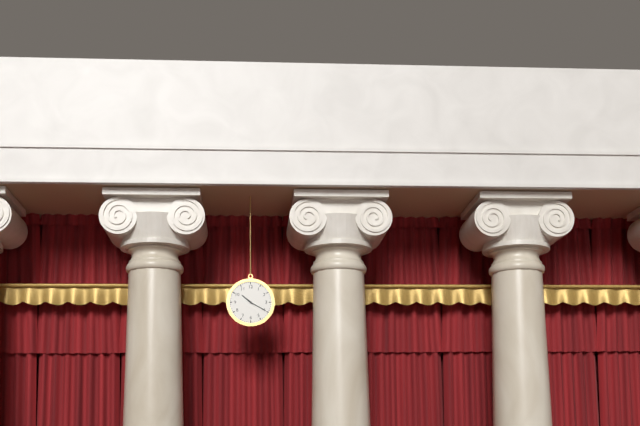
10:20
